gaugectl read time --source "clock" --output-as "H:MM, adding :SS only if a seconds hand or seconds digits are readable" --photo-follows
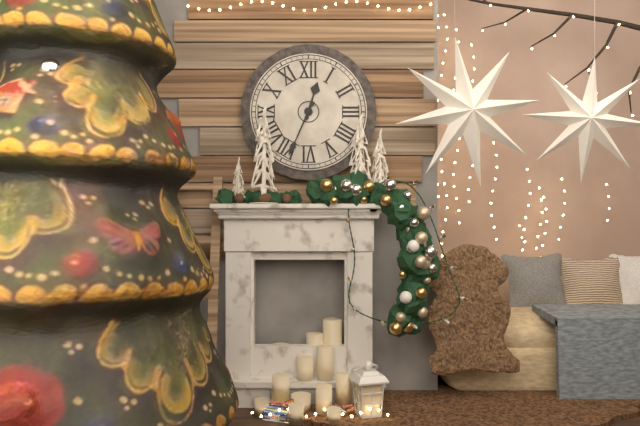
12:34
